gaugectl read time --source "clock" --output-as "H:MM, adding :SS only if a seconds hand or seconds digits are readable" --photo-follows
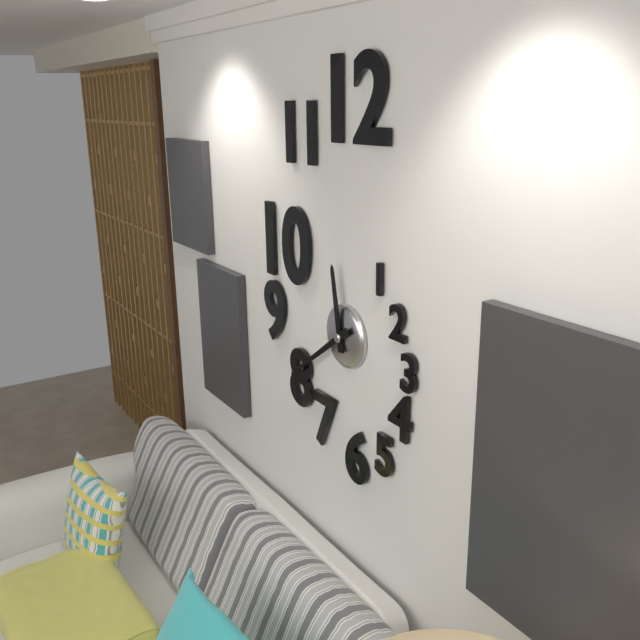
11:39
